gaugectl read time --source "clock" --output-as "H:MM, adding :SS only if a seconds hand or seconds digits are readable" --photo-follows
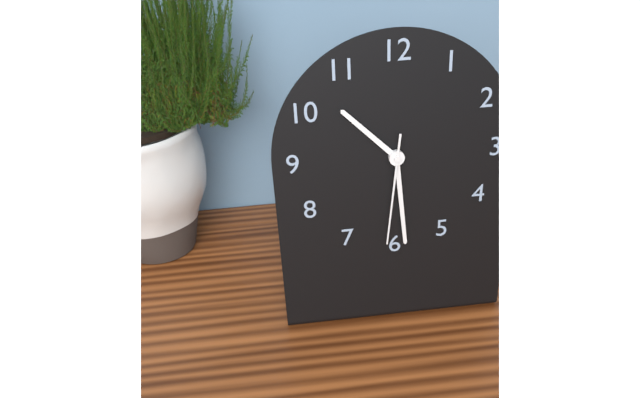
10:29:31
